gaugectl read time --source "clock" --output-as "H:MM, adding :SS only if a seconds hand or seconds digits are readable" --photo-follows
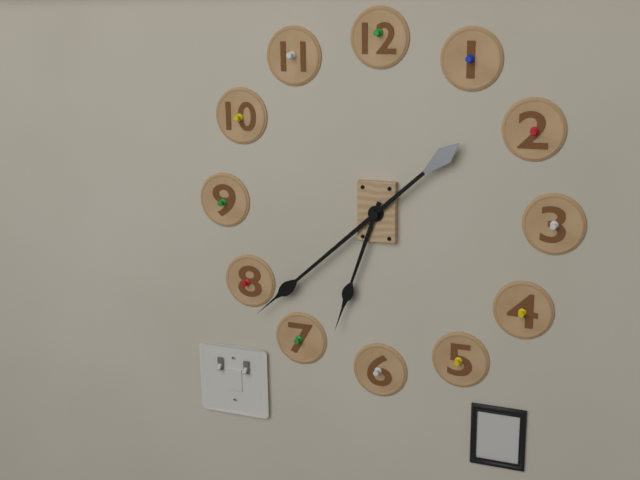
6:38
